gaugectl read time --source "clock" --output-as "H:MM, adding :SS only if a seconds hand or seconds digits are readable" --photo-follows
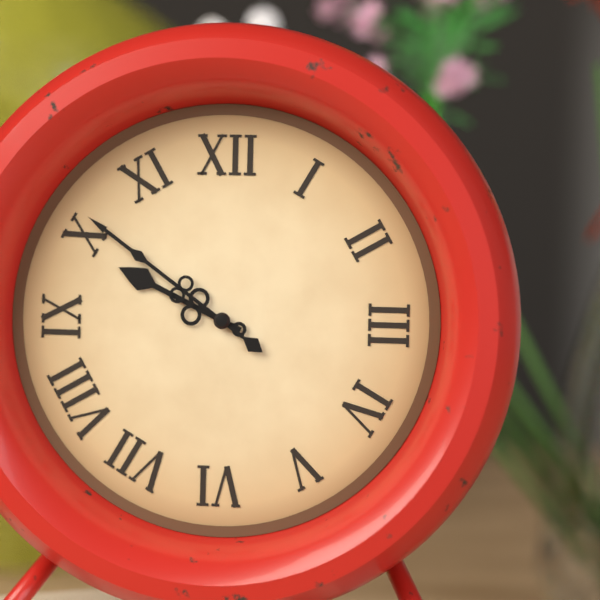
9:51
